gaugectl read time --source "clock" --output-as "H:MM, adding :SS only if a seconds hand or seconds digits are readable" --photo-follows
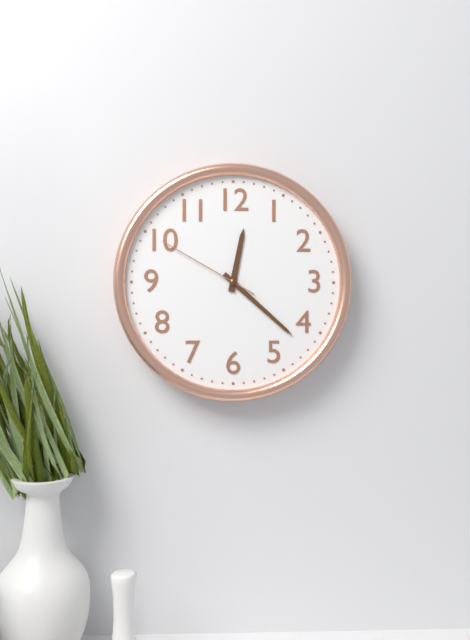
12:22:50
